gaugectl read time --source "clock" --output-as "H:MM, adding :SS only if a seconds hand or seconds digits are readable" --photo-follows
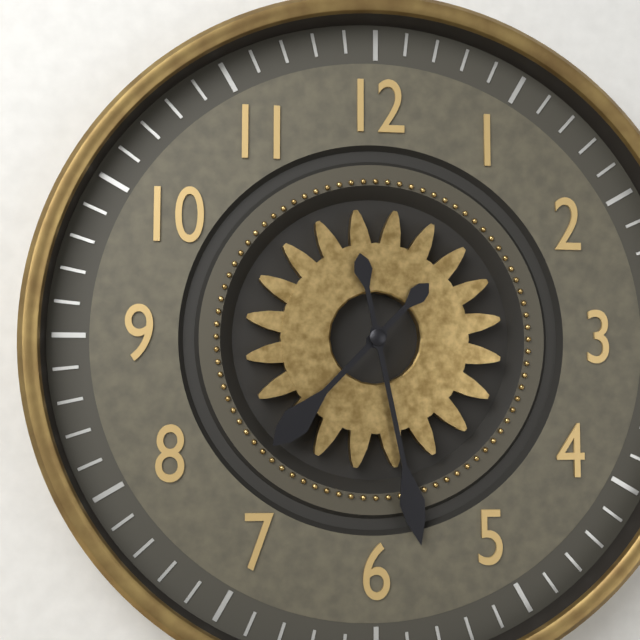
7:28
